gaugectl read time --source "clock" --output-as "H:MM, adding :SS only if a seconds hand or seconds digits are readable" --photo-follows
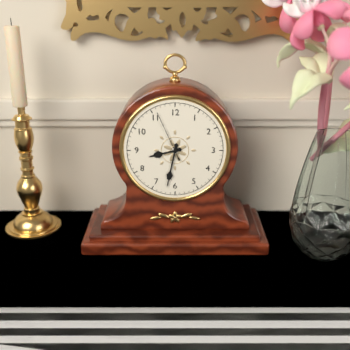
8:32:56
